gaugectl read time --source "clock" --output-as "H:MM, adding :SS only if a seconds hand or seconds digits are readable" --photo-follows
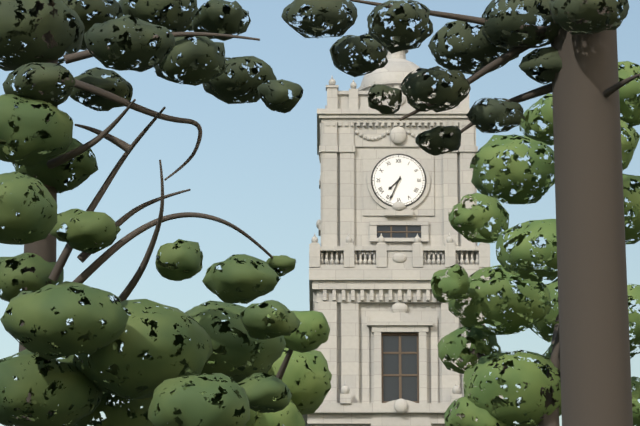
7:34
